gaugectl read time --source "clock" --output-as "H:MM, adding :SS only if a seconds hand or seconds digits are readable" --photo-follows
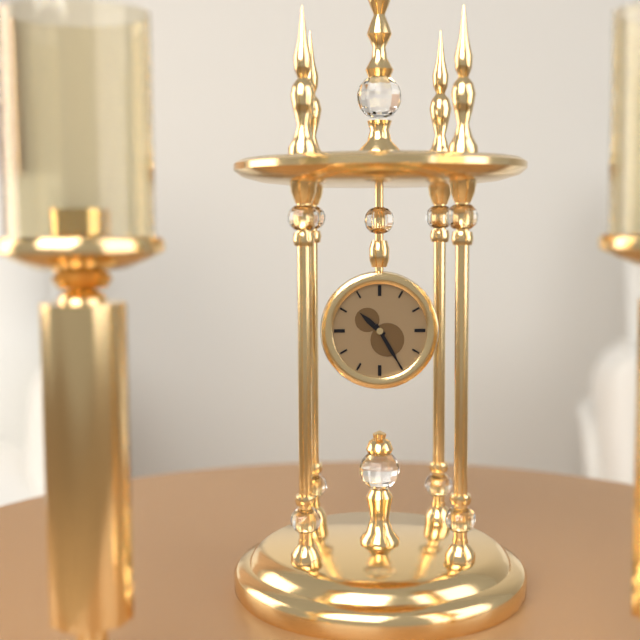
10:25
